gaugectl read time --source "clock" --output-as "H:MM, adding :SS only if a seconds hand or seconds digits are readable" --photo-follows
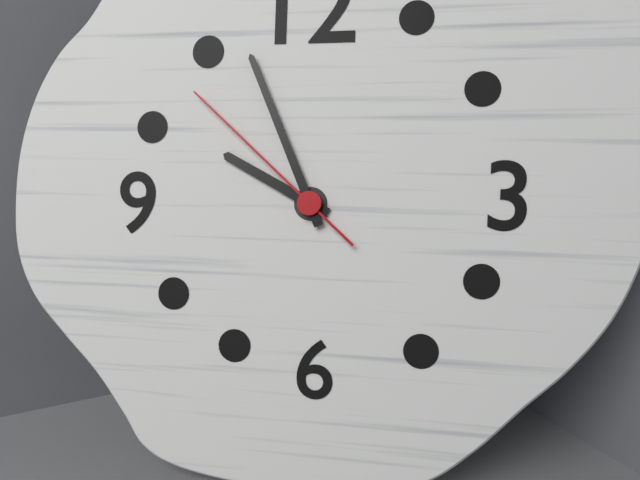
9:56:52
